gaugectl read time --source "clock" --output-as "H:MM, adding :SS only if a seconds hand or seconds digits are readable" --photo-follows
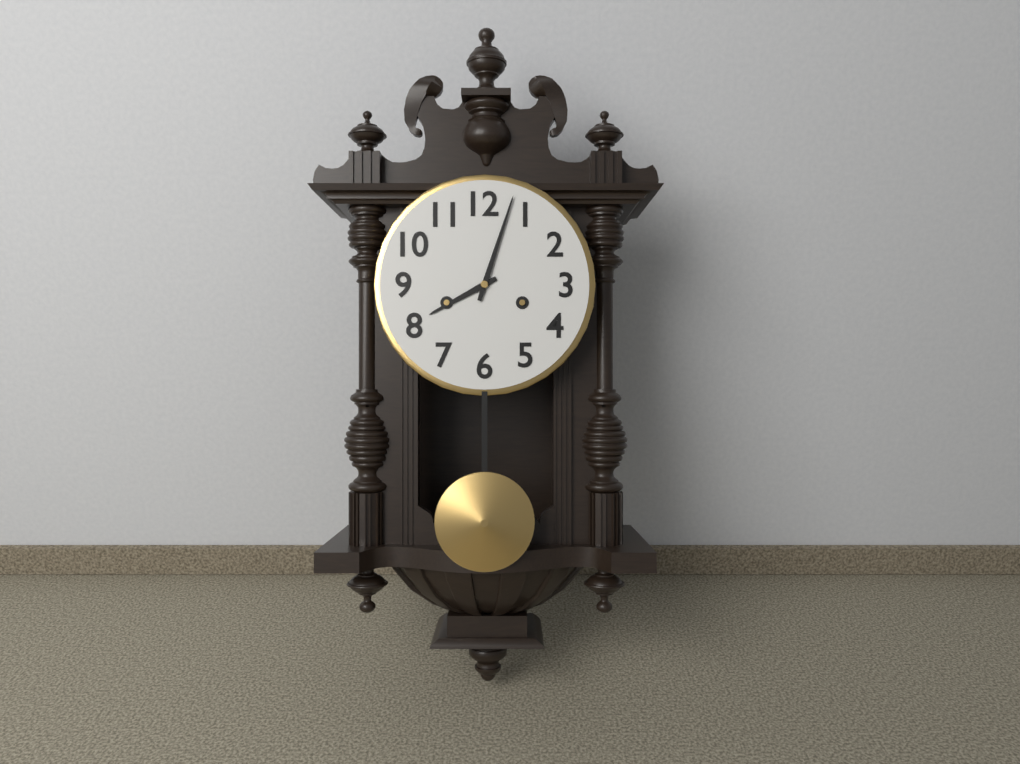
8:03
